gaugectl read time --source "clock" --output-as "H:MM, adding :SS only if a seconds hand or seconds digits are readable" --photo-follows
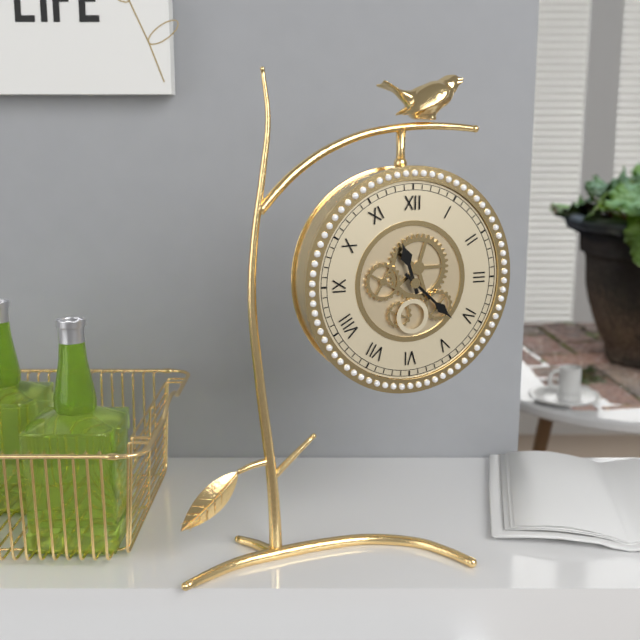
11:22
